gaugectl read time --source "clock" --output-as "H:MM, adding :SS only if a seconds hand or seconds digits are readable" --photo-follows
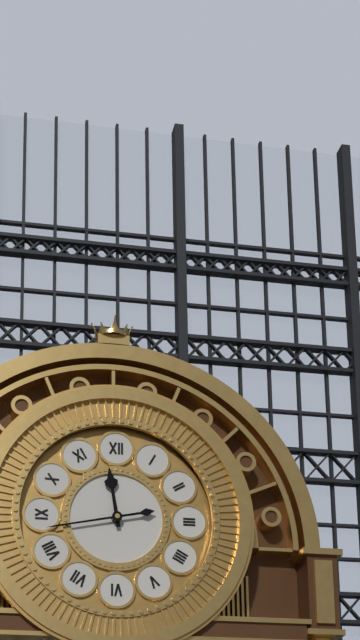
11:43
